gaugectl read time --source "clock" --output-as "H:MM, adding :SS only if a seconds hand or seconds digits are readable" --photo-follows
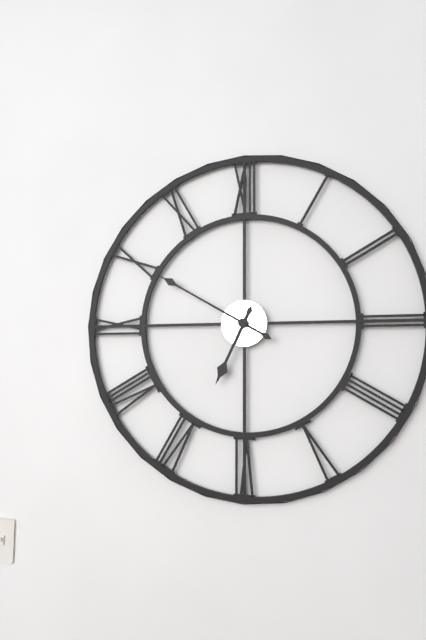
6:50
